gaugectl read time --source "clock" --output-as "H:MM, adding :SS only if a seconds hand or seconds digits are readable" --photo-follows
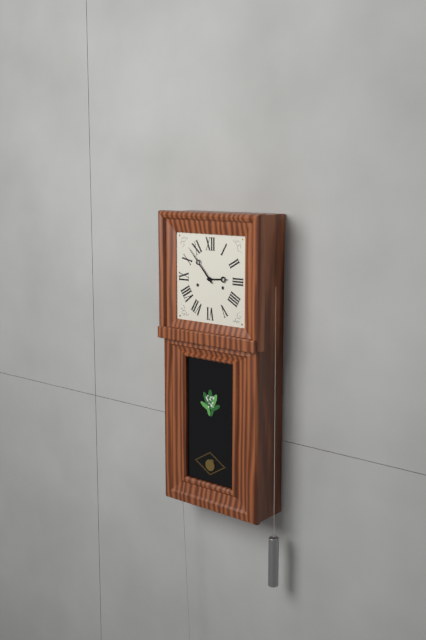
2:53
